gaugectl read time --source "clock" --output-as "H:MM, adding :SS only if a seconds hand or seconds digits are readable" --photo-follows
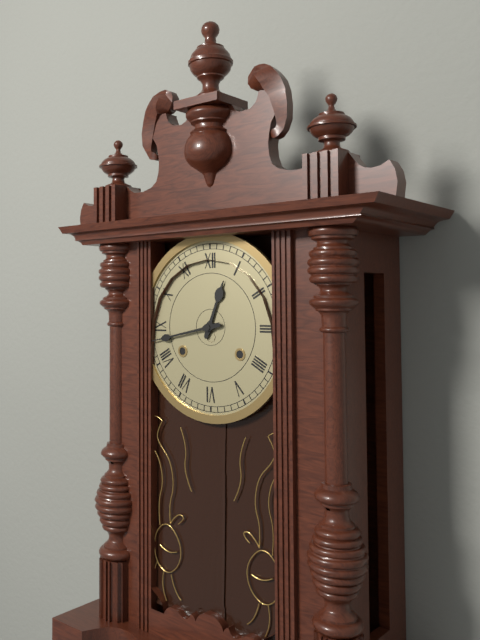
12:43
